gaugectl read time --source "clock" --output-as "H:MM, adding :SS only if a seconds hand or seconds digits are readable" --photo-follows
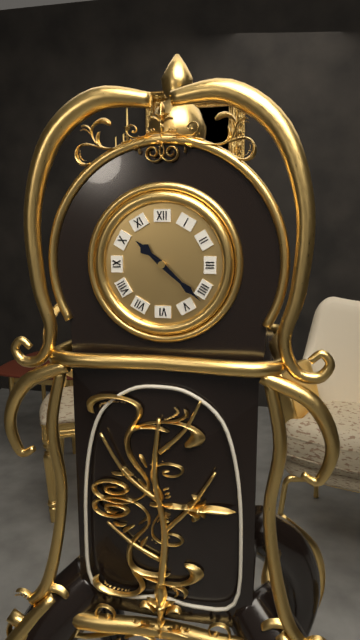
10:22
